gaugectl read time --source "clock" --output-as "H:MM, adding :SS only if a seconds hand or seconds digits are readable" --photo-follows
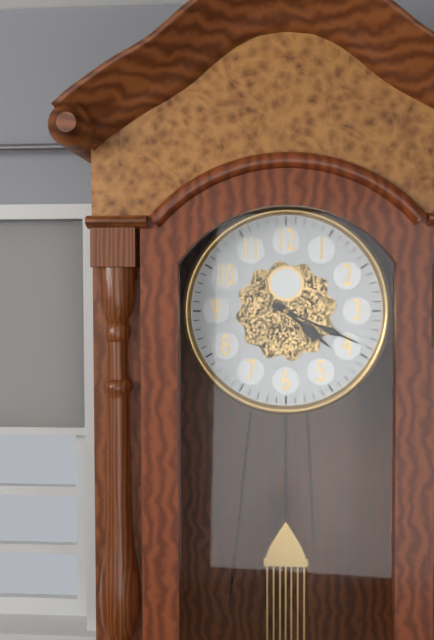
4:19
